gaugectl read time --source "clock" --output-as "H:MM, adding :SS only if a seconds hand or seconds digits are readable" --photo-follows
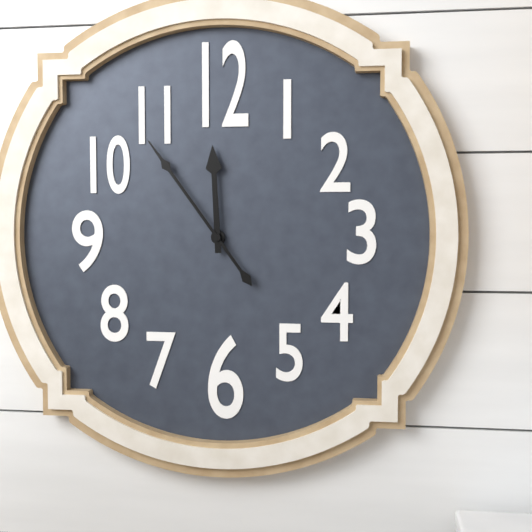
11:54
